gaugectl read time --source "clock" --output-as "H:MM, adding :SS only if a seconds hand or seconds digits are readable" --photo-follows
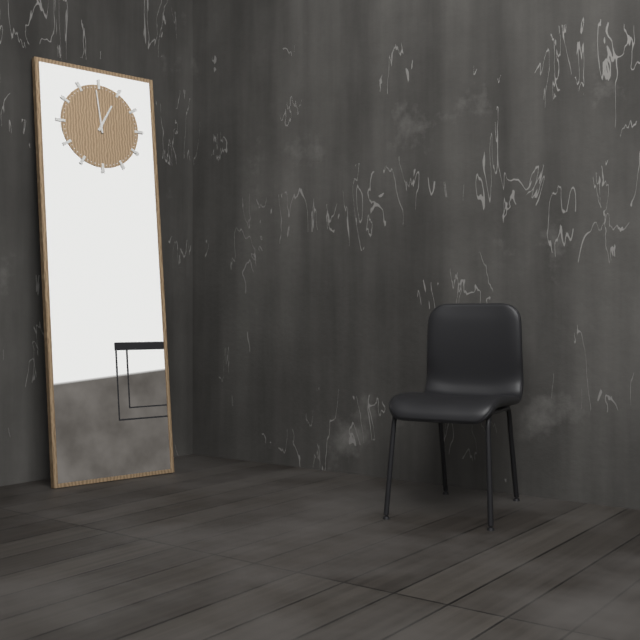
12:59
